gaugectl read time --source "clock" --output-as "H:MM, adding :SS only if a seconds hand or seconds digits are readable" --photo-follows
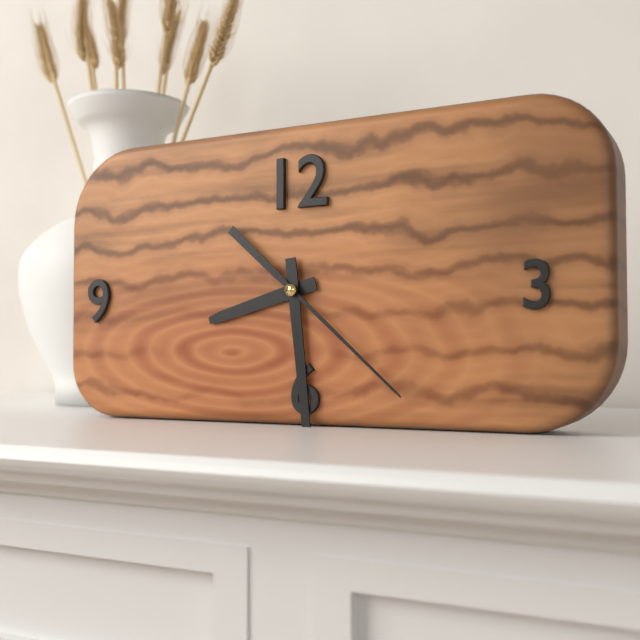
8:29:22
